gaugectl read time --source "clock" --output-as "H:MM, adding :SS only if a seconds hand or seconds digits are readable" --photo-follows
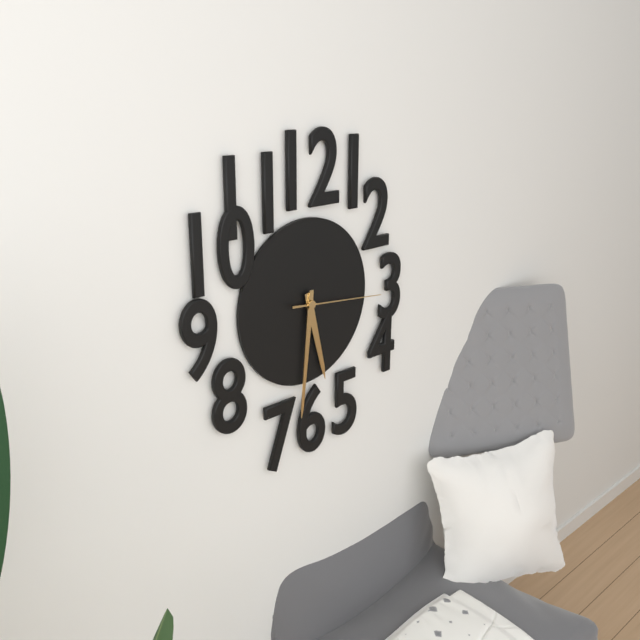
5:31:16
